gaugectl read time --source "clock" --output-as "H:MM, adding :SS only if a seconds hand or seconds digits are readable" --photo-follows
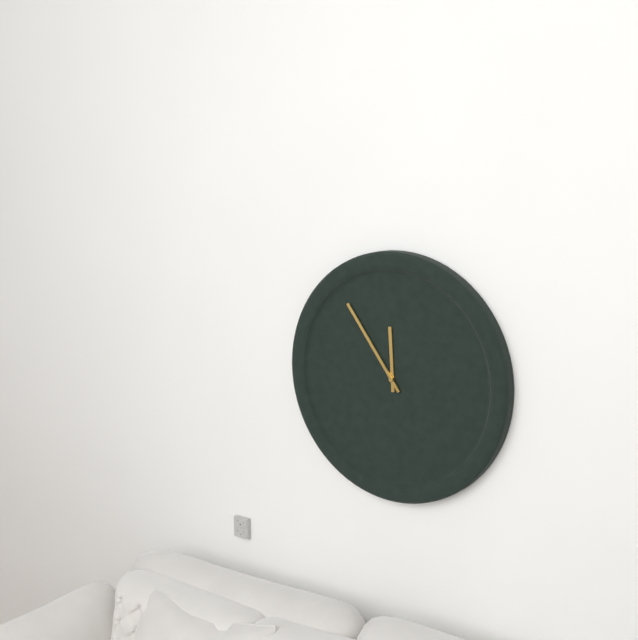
11:54
